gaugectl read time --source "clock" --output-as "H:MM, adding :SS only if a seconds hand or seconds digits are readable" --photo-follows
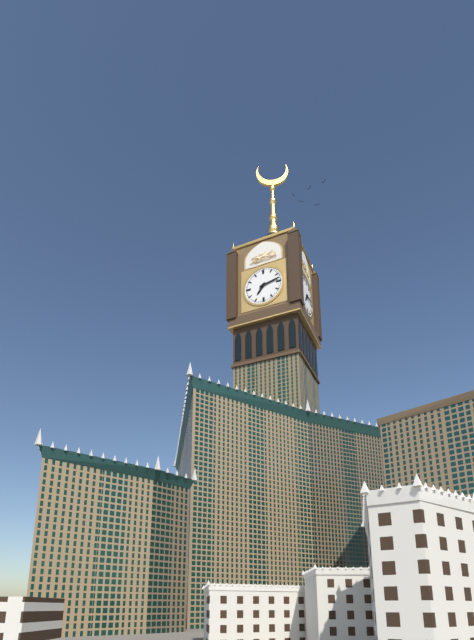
7:13
